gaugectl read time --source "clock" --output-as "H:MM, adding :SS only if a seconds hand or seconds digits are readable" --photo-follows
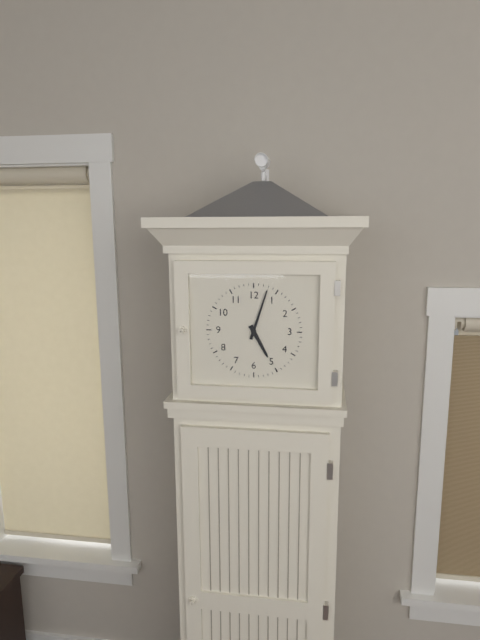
5:03
